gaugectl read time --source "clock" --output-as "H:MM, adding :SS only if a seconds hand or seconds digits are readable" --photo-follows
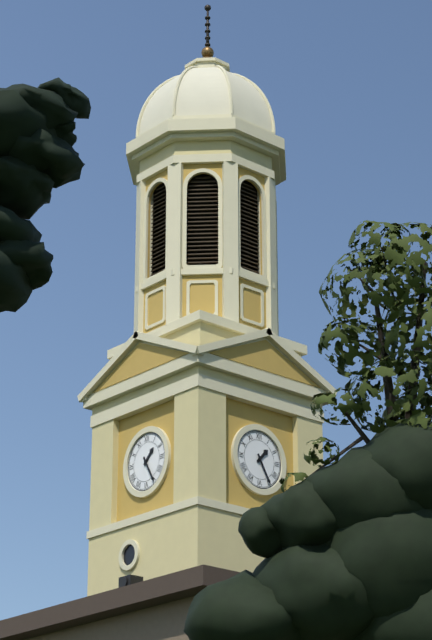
1:25
